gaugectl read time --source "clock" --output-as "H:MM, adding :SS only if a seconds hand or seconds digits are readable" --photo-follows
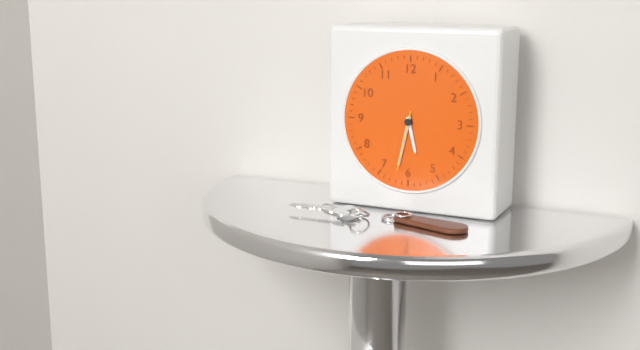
5:32:32
